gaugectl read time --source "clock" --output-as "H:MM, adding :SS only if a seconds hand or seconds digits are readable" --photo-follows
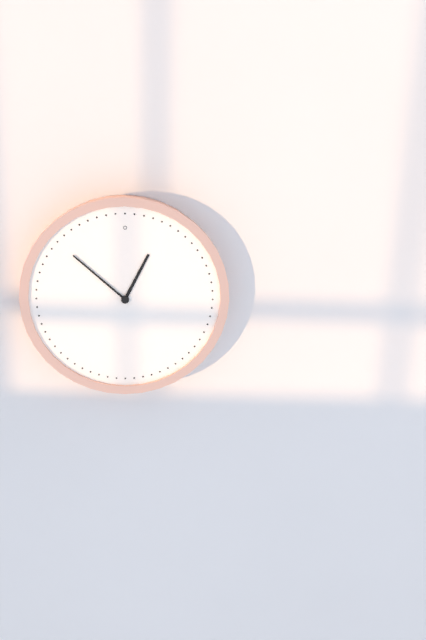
12:52
